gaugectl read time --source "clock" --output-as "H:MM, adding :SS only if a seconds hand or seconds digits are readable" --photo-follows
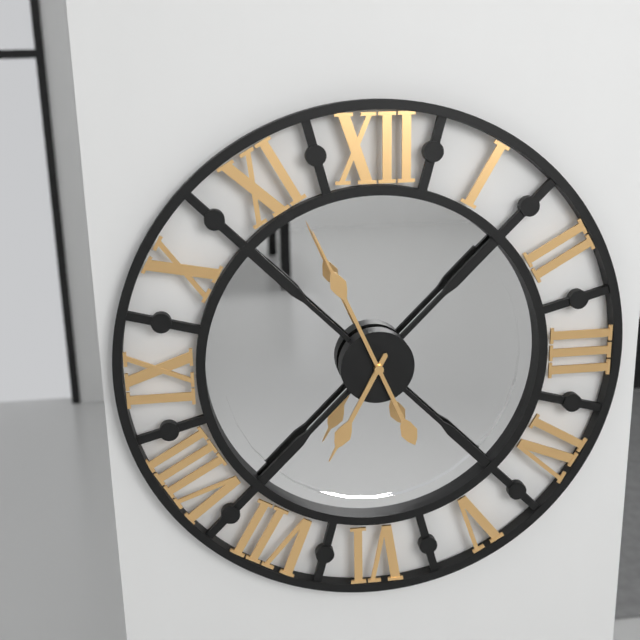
6:56
